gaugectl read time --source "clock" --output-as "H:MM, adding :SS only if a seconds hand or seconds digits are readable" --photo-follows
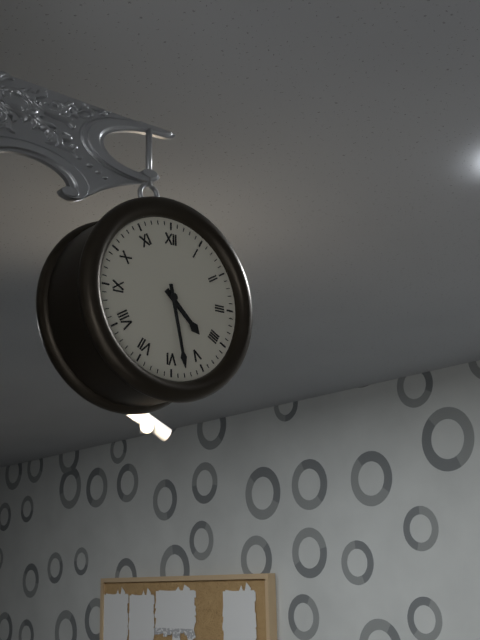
4:28
